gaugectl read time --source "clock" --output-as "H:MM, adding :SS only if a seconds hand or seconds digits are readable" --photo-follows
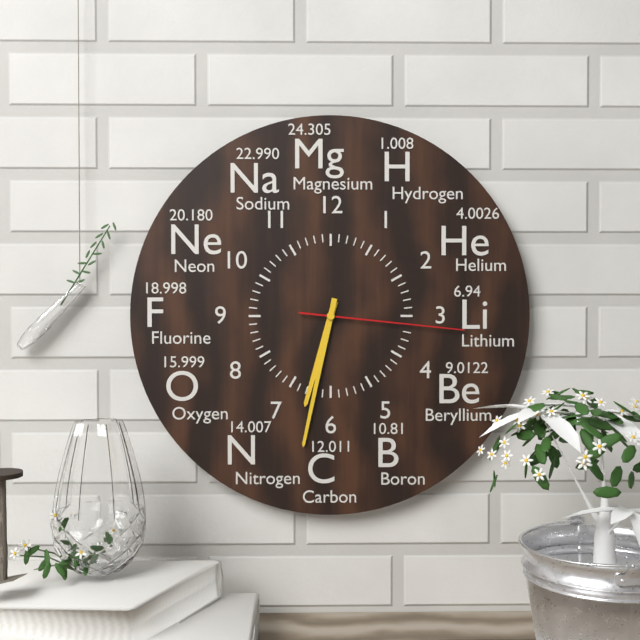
6:32:16
